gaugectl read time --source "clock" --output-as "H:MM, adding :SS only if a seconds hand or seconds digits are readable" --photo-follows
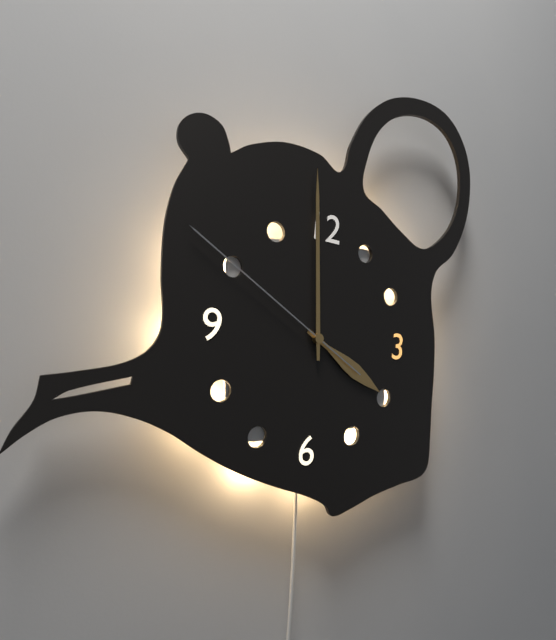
3:59:50
